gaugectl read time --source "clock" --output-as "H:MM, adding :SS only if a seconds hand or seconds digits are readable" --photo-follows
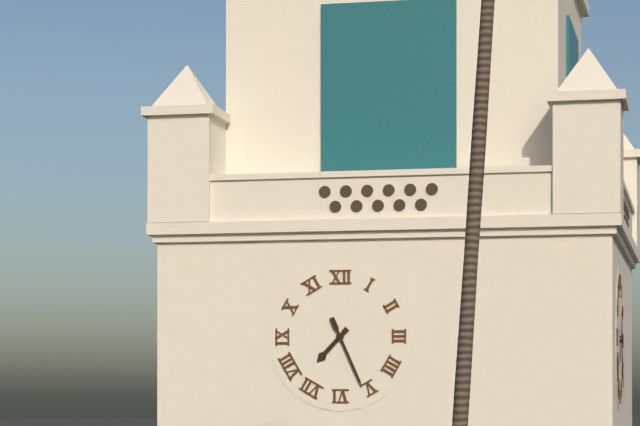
7:26
